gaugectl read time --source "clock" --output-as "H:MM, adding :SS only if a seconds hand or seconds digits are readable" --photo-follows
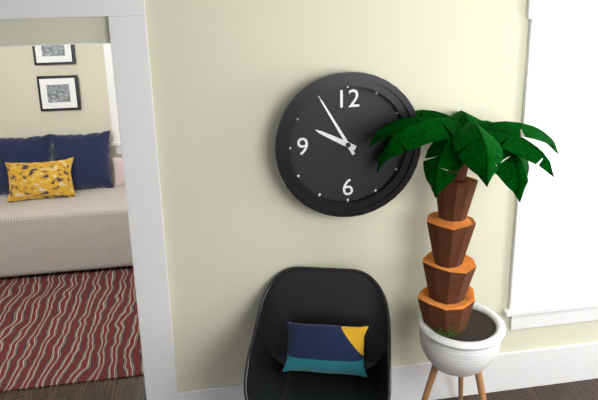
9:55
